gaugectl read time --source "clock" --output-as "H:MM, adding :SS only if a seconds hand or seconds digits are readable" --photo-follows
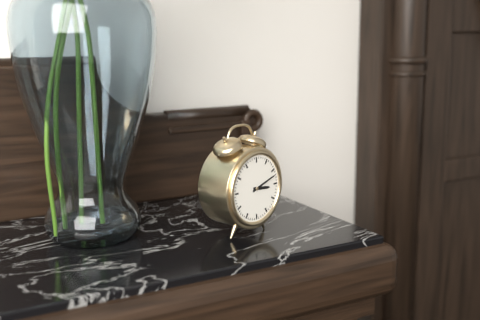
3:12
